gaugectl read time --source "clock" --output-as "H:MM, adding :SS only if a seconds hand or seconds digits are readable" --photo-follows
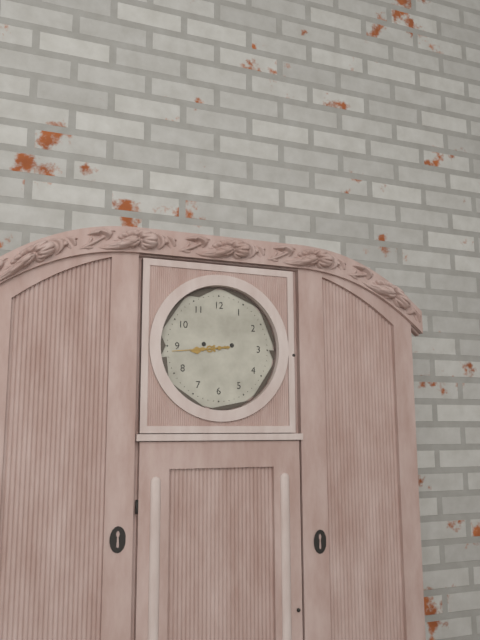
8:44
